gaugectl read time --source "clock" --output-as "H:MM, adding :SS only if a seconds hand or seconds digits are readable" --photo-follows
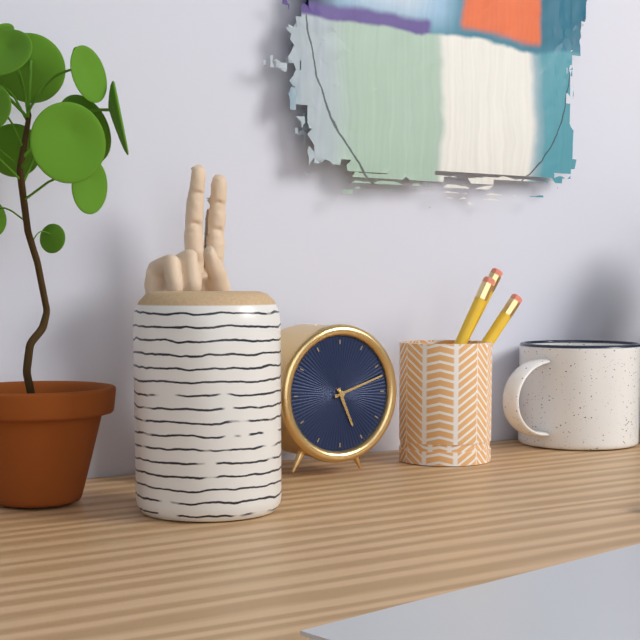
5:12
